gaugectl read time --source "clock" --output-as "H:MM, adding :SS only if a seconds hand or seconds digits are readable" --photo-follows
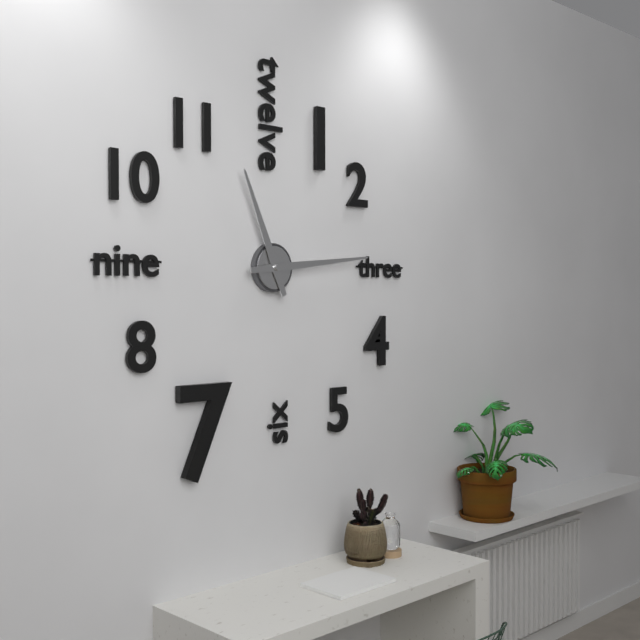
11:14
